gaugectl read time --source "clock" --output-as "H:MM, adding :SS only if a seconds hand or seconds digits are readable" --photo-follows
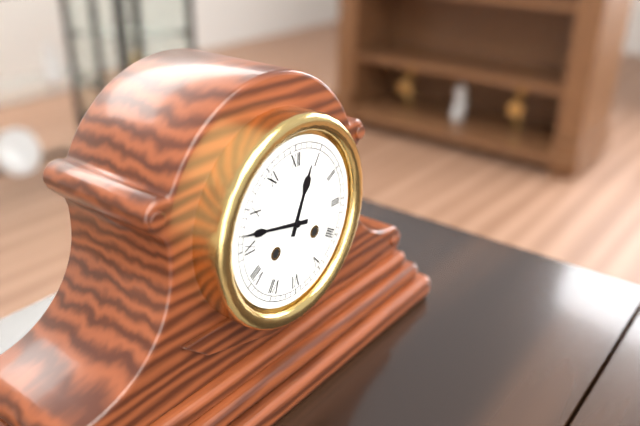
12:47
